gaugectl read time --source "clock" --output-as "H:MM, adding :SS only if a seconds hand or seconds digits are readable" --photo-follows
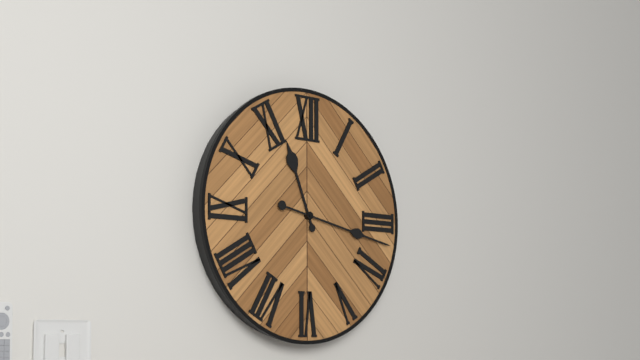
11:17
